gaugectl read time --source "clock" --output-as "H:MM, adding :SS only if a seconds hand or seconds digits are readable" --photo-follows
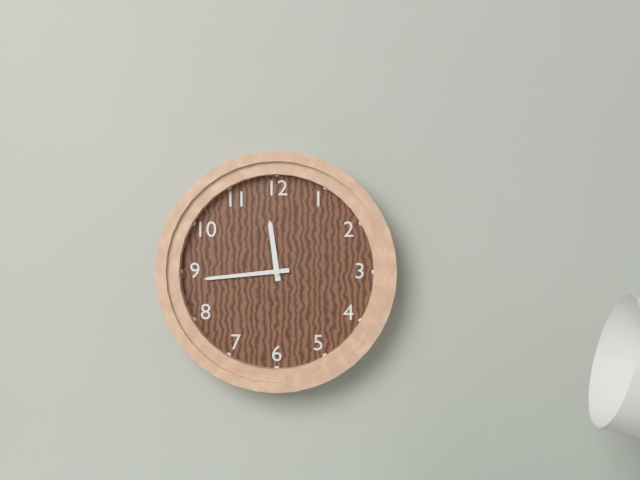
11:44
